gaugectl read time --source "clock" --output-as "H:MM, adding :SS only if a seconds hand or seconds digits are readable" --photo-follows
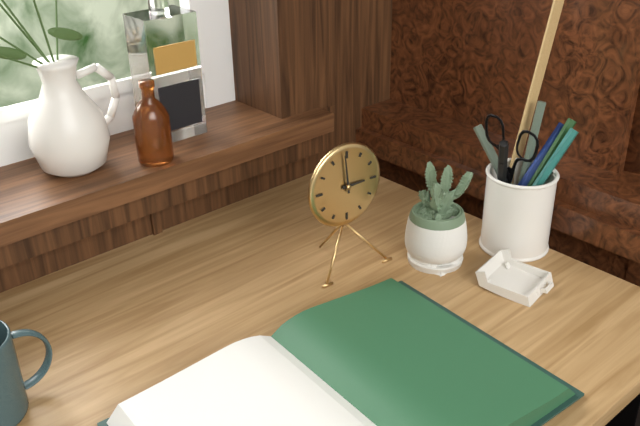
2:59
